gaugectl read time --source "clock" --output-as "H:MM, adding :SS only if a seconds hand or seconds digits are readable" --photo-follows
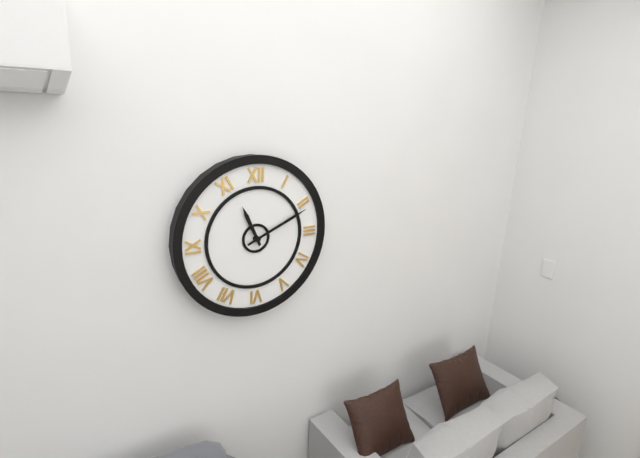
11:11
